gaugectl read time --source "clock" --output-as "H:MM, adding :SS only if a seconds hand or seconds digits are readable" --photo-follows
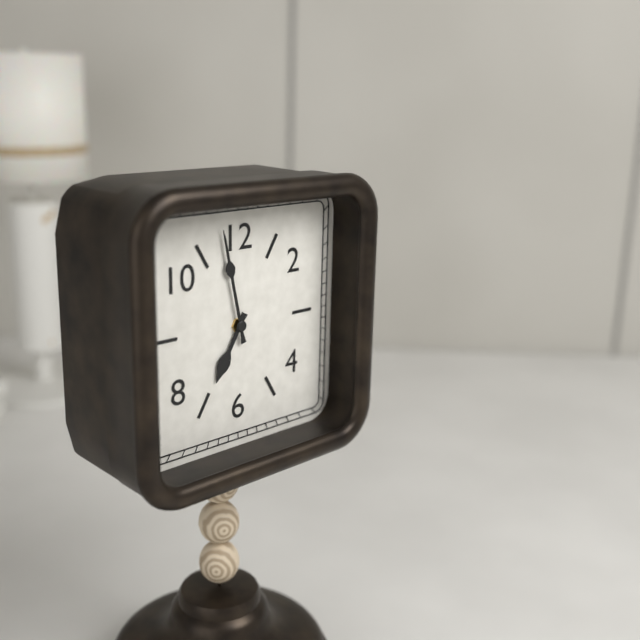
6:58
